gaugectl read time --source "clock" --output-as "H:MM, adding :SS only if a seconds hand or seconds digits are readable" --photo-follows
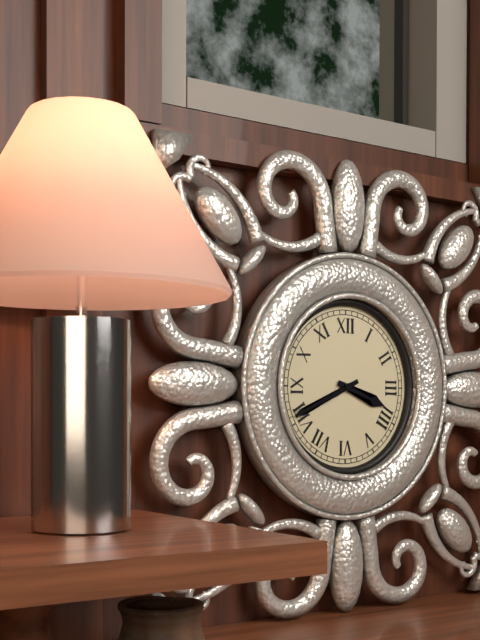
3:41
